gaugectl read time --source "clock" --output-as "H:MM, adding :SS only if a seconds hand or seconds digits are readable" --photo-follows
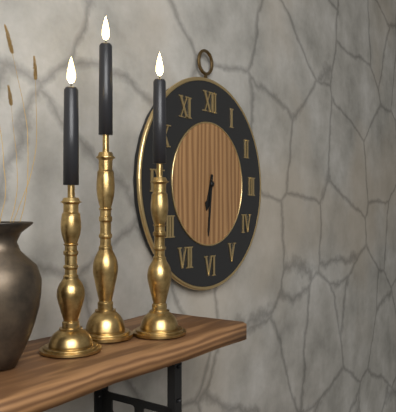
6:31
